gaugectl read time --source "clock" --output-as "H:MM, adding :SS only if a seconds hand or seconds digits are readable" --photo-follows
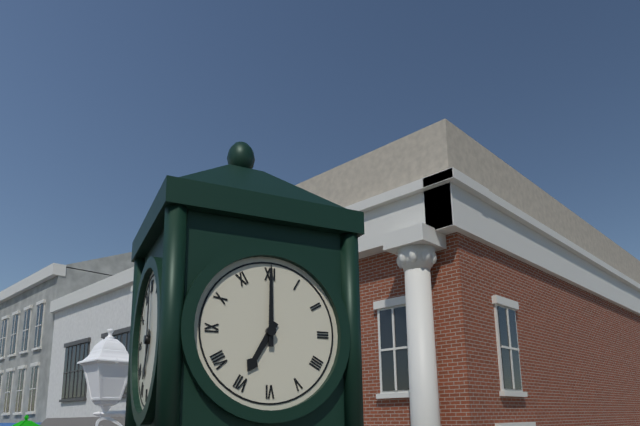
7:00
